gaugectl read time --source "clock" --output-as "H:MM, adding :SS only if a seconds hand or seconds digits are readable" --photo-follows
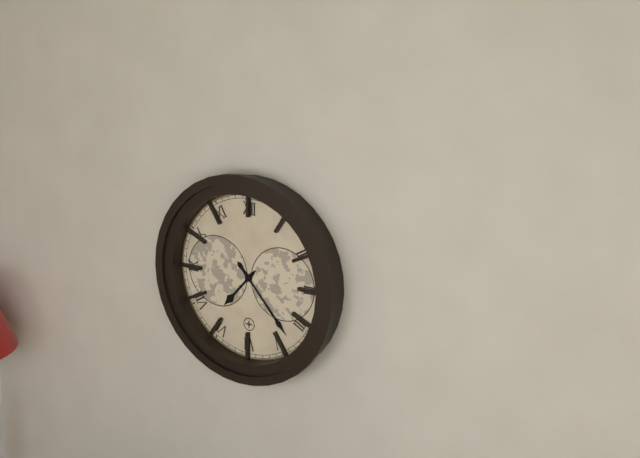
7:23
